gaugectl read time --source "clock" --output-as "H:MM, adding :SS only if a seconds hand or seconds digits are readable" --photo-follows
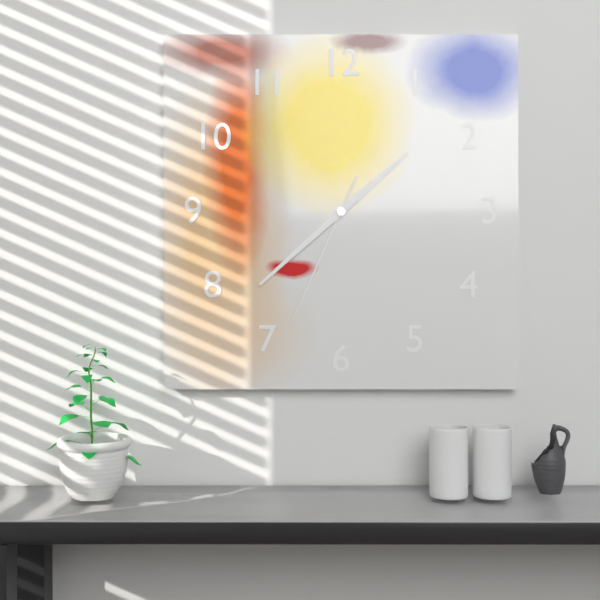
1:38:34
